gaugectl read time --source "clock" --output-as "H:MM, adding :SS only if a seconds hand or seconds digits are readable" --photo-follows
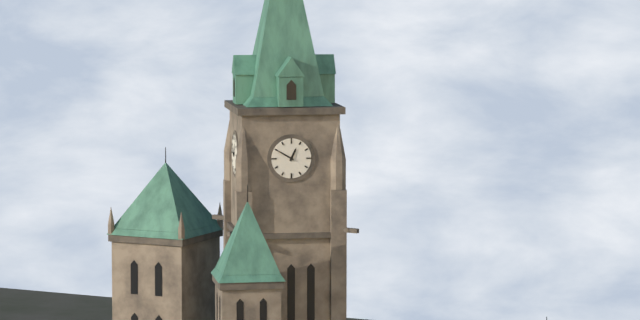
12:50
